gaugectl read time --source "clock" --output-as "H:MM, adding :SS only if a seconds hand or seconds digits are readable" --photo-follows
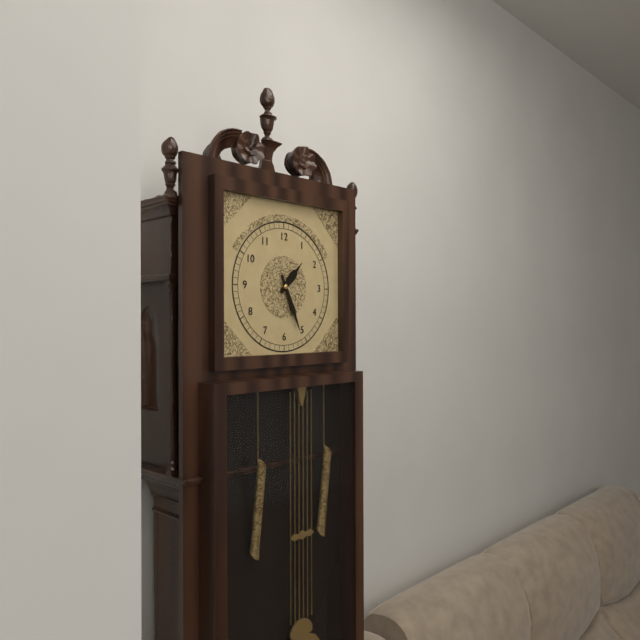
1:26
